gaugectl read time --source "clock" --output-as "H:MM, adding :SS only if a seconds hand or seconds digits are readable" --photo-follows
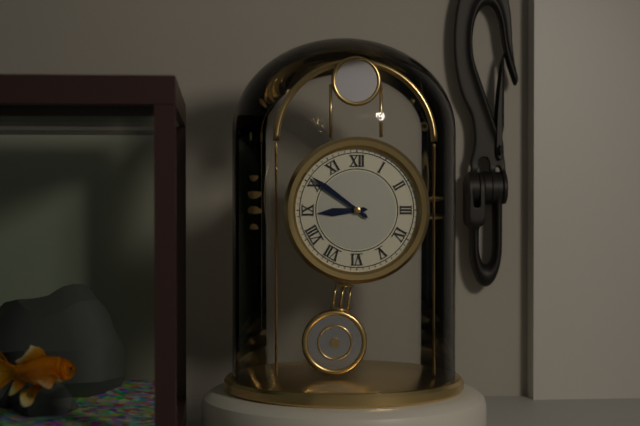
8:51
